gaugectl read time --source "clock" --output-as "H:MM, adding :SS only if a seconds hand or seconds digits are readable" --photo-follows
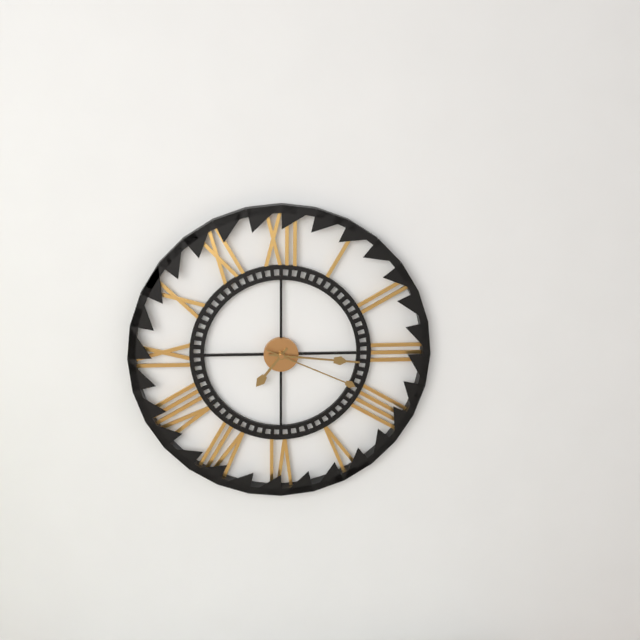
7:16:19
